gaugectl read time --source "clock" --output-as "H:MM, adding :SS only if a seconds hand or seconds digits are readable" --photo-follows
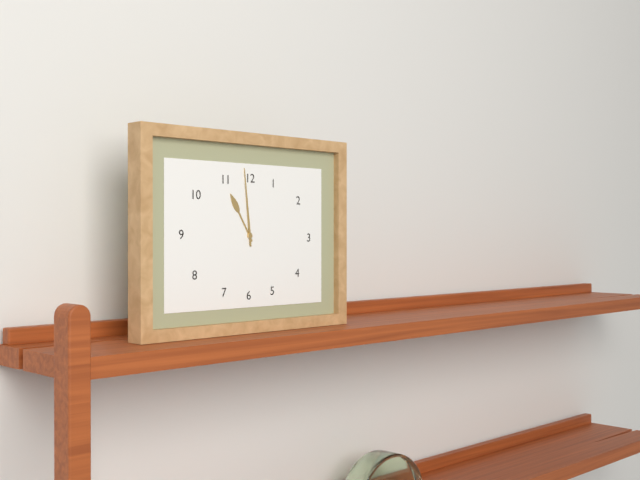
10:59
